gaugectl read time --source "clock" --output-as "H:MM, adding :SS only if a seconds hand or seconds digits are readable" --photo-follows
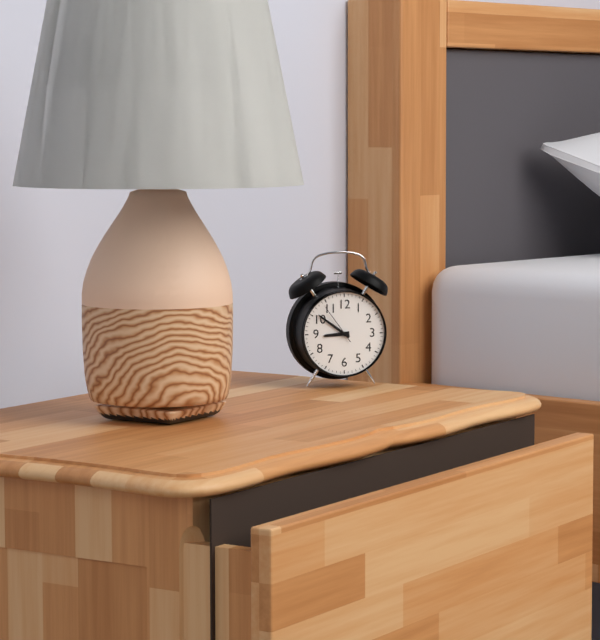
8:51
